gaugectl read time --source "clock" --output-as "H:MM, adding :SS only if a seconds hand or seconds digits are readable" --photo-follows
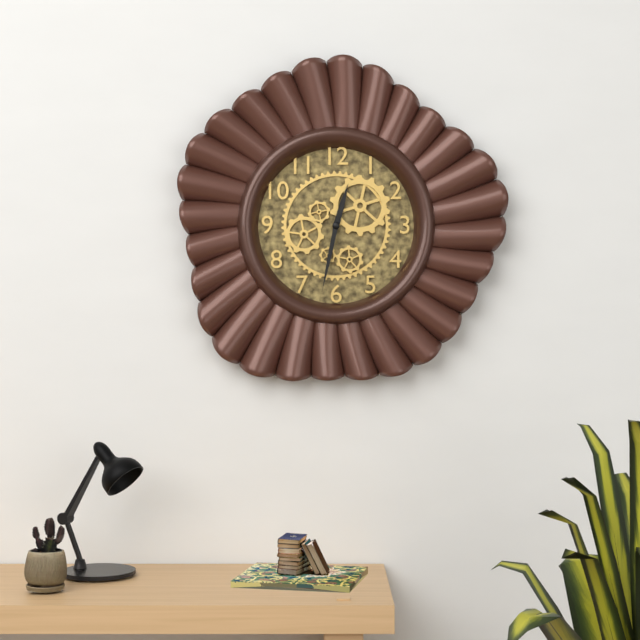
12:32
